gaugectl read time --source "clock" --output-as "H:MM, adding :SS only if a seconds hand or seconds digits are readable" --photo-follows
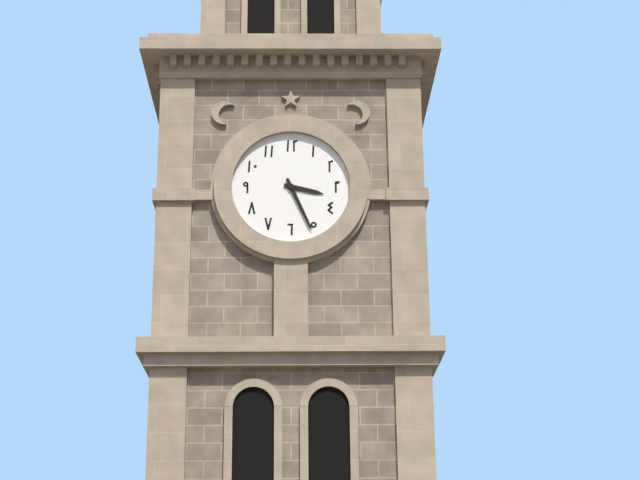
3:26
